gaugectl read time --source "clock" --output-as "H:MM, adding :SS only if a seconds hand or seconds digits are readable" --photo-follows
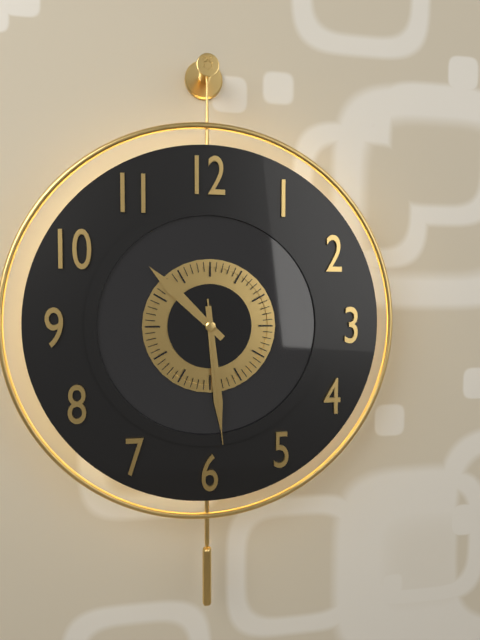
10:29:29
